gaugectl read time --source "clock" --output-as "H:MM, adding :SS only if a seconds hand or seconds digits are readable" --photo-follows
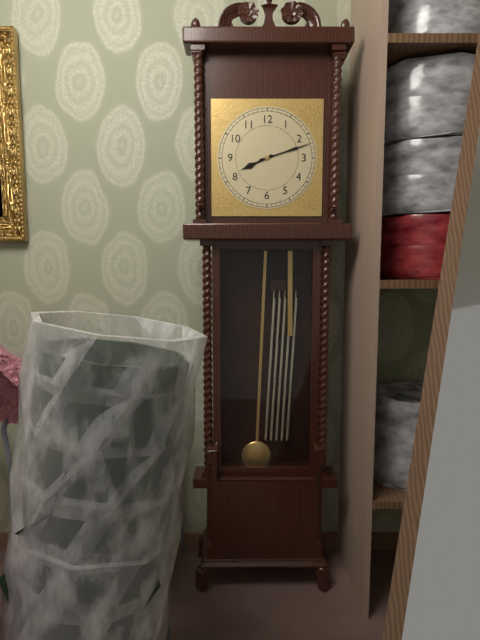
8:12
